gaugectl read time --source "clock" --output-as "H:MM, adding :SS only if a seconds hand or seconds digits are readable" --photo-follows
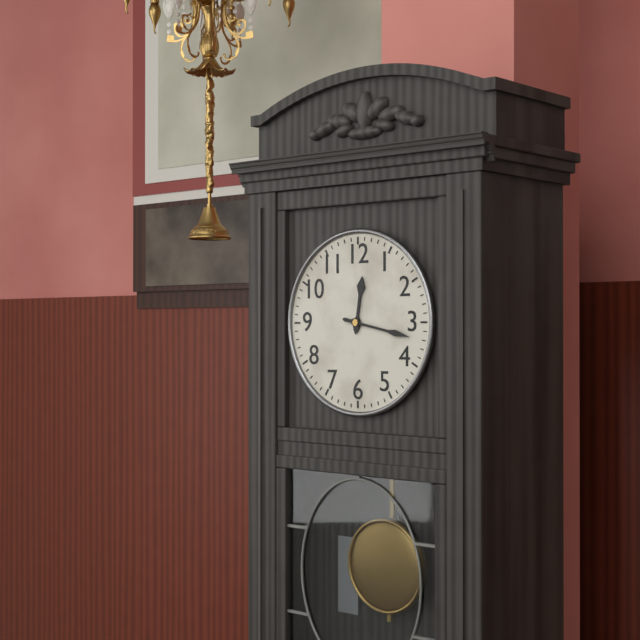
12:17
